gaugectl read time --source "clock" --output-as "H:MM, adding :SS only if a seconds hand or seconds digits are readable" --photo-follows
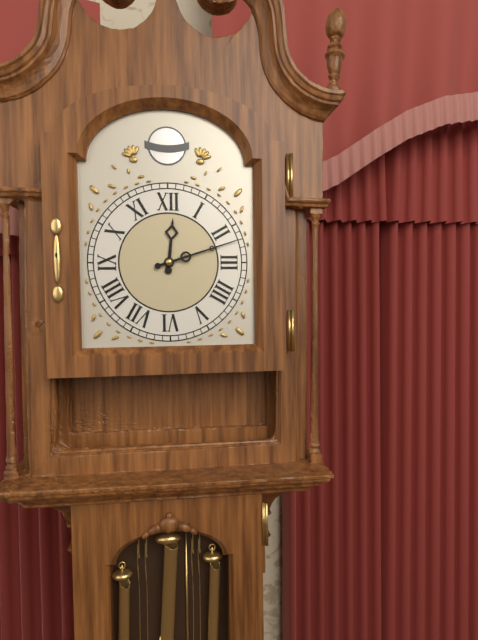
12:12
